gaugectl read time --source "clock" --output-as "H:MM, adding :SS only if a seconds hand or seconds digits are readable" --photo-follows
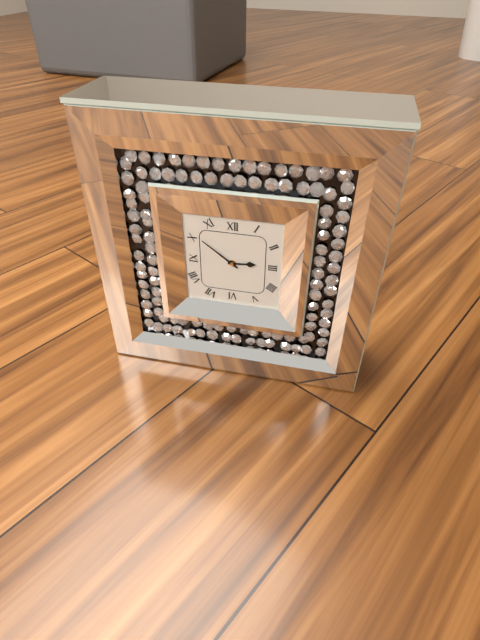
2:51
